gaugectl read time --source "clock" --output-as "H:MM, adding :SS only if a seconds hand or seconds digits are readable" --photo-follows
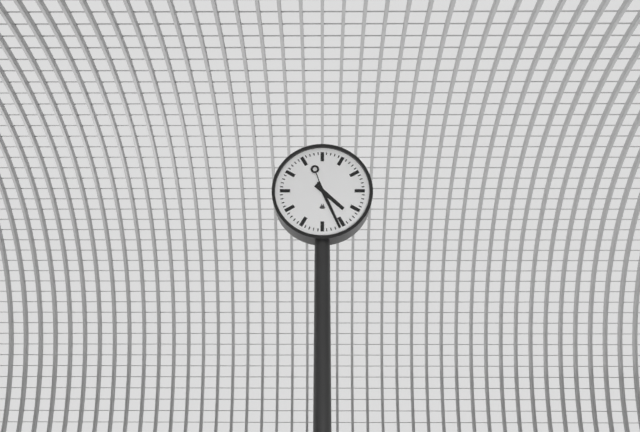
4:26
